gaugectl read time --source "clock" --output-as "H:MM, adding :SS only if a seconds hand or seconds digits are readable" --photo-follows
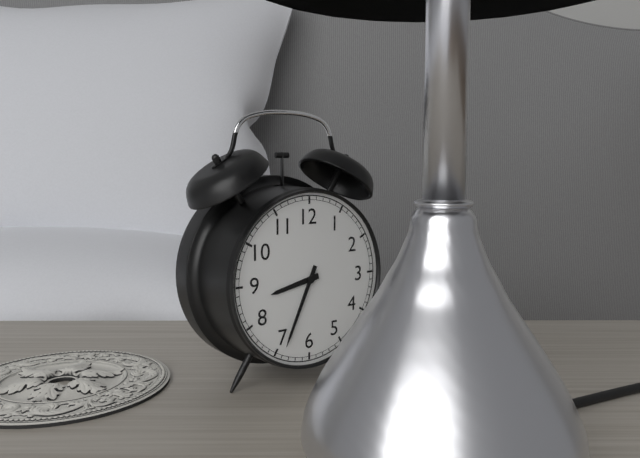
8:34
